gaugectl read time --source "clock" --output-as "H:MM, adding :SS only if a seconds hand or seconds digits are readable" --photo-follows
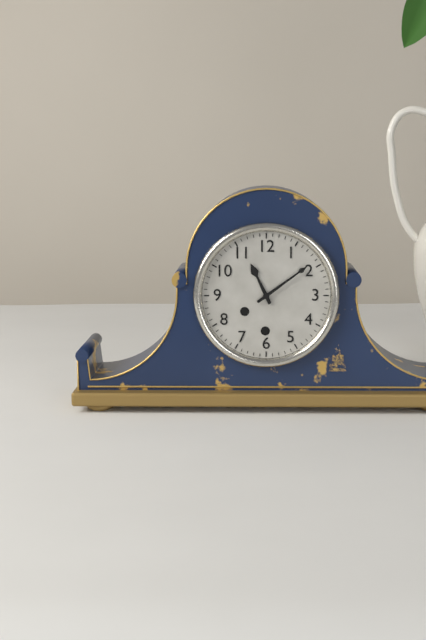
11:09
